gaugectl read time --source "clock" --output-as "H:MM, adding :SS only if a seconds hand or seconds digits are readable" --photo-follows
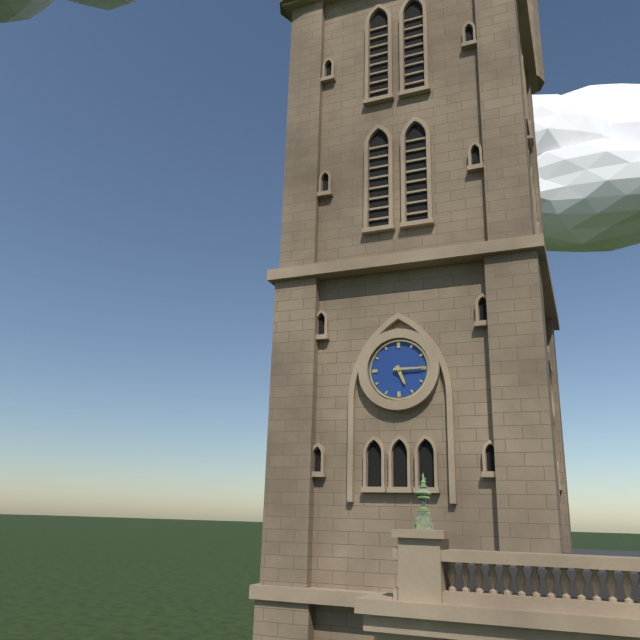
5:15
